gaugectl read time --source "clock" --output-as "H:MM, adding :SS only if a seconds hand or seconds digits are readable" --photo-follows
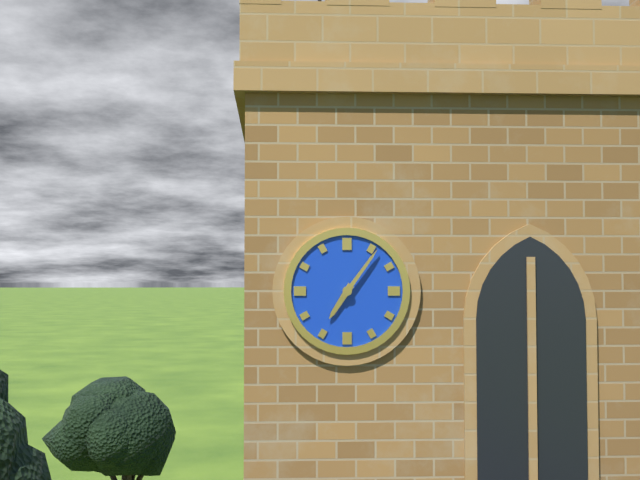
7:06
